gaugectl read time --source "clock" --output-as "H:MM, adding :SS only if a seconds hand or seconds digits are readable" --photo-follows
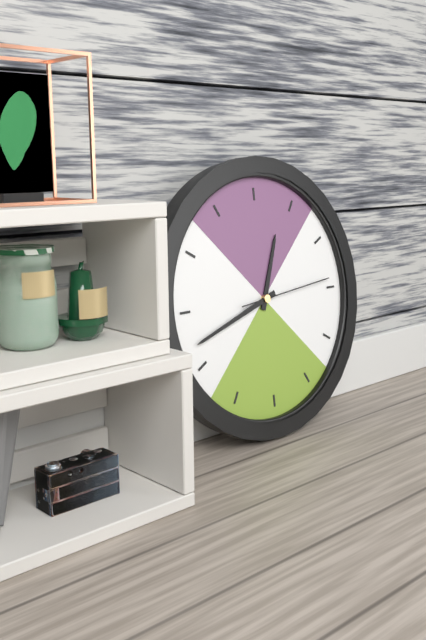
12:42:14
